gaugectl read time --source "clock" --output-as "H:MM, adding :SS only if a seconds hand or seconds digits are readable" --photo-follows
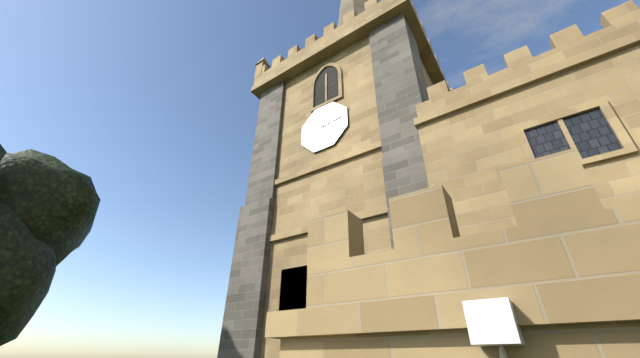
5:14
